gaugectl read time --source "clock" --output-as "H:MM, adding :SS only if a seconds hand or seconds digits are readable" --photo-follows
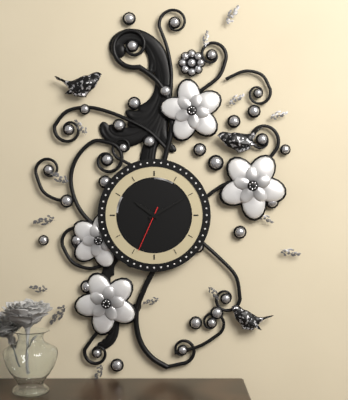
10:10
